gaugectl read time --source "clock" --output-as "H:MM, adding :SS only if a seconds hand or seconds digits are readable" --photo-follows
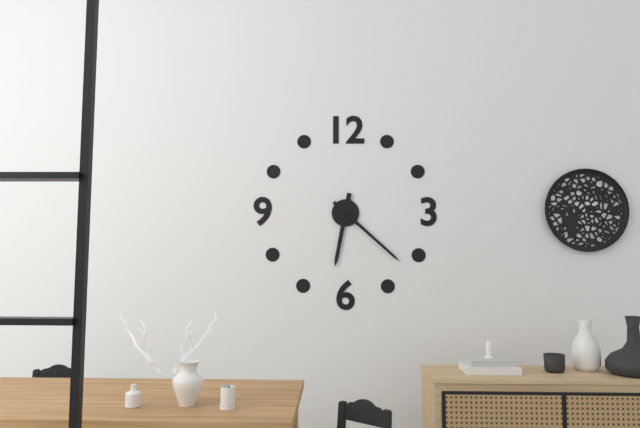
6:22
